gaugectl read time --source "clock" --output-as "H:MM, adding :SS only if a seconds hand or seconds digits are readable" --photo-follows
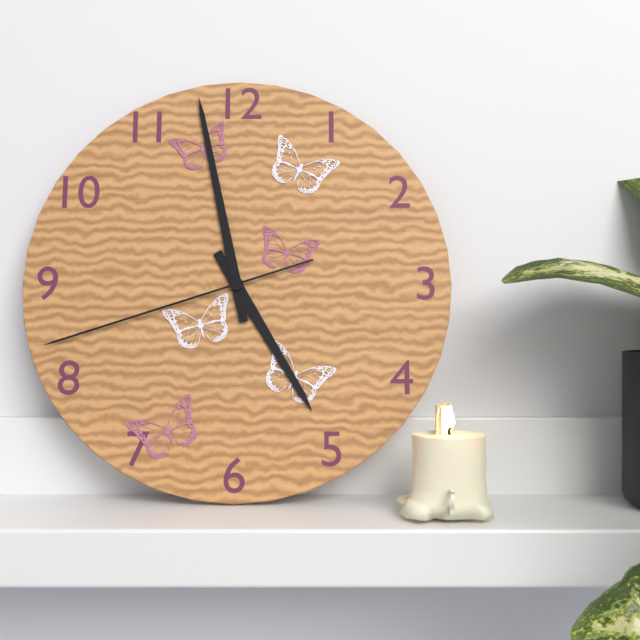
4:58:42
